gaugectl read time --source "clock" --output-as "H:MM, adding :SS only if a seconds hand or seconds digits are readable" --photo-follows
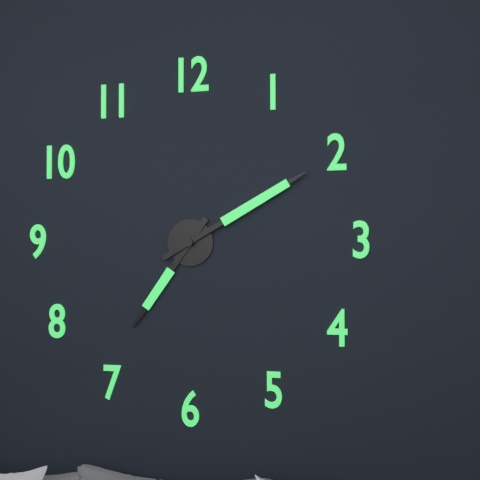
7:10
